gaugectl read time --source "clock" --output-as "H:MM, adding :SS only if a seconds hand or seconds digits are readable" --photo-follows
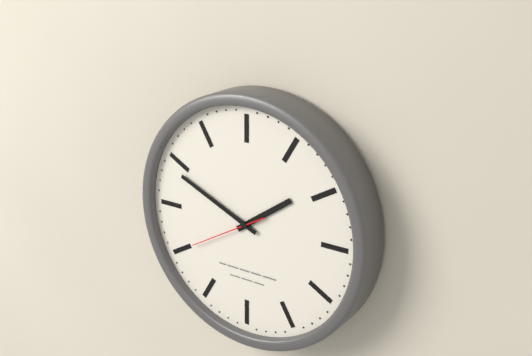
1:49:40
